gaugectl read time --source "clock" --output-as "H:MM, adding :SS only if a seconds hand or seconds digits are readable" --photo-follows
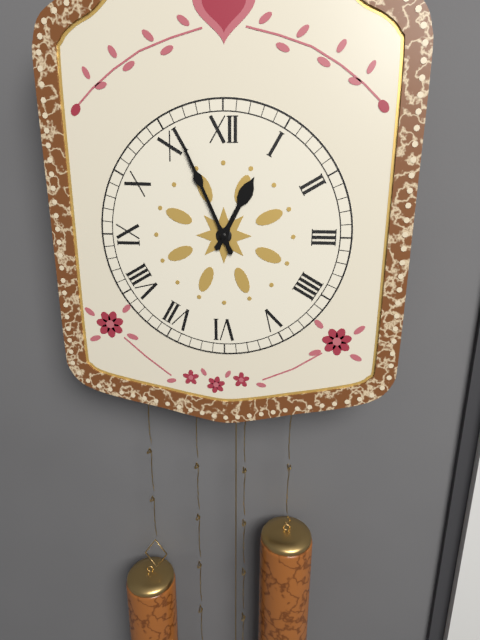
12:56
